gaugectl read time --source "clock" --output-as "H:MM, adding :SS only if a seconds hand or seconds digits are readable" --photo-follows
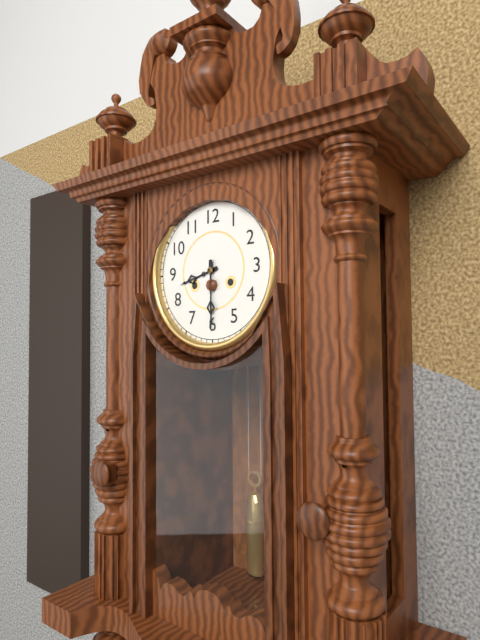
8:30
